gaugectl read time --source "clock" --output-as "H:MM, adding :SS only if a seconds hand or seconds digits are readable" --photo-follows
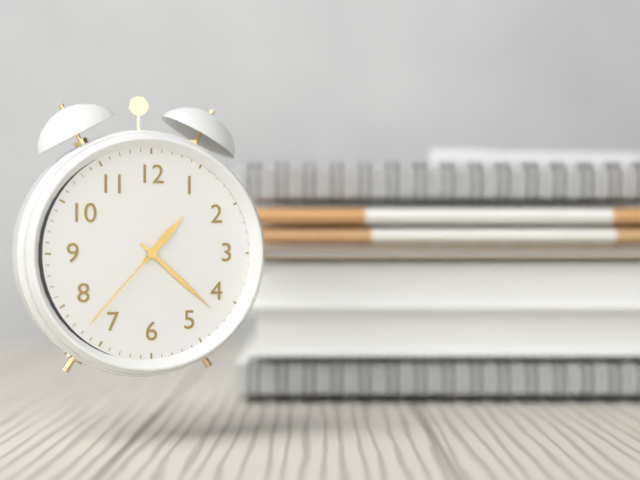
1:22:37
